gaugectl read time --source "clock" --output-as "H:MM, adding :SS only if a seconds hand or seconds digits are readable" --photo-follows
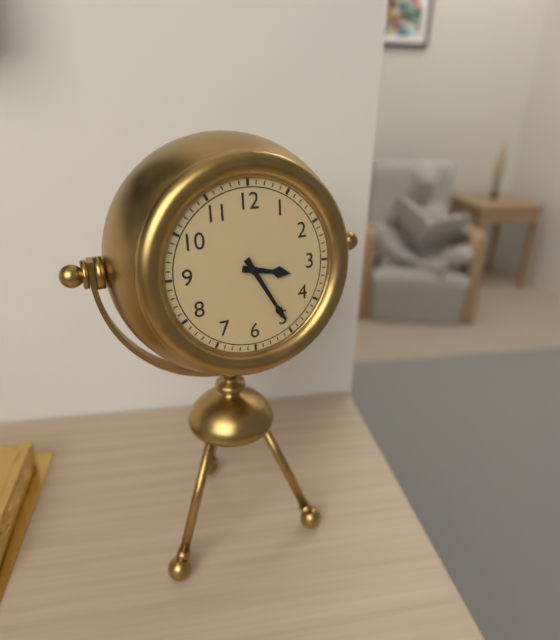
3:25
